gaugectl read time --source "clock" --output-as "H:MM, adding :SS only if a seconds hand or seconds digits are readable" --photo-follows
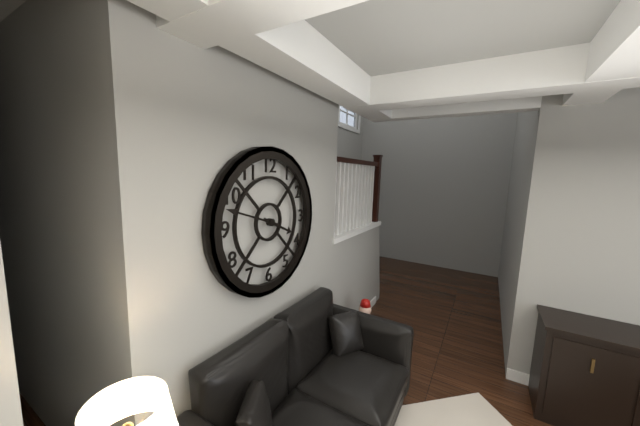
3:48
